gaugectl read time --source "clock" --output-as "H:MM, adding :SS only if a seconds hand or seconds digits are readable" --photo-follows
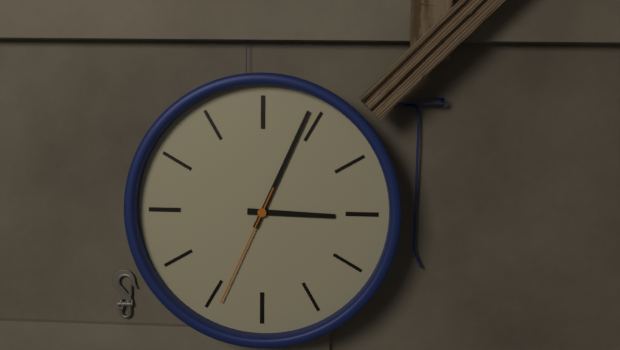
3:04:34
